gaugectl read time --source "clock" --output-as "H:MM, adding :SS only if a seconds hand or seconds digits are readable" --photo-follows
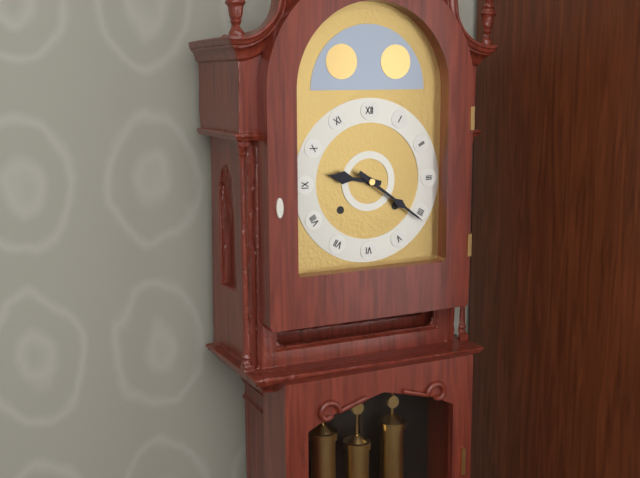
9:21
